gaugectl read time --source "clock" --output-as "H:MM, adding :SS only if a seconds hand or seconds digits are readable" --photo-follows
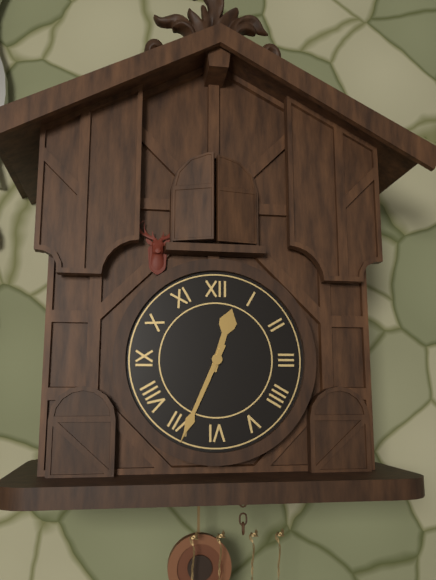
12:34
